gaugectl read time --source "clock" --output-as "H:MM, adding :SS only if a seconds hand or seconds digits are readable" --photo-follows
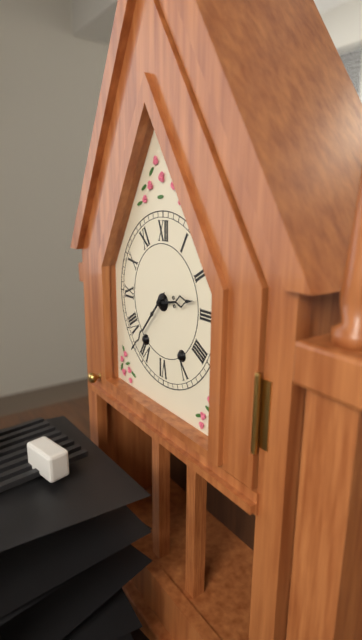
2:37
